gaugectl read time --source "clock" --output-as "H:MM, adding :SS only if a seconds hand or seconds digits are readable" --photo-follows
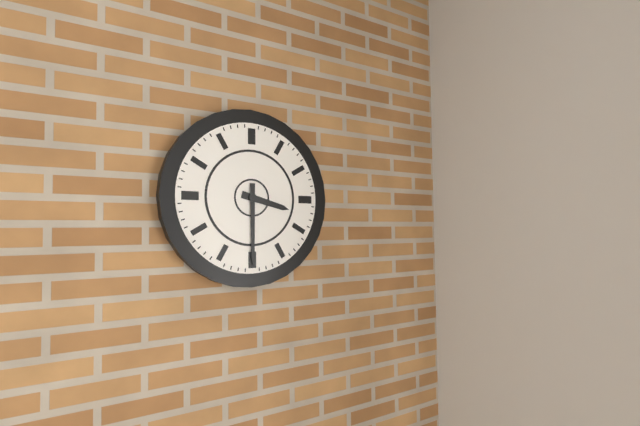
3:30
